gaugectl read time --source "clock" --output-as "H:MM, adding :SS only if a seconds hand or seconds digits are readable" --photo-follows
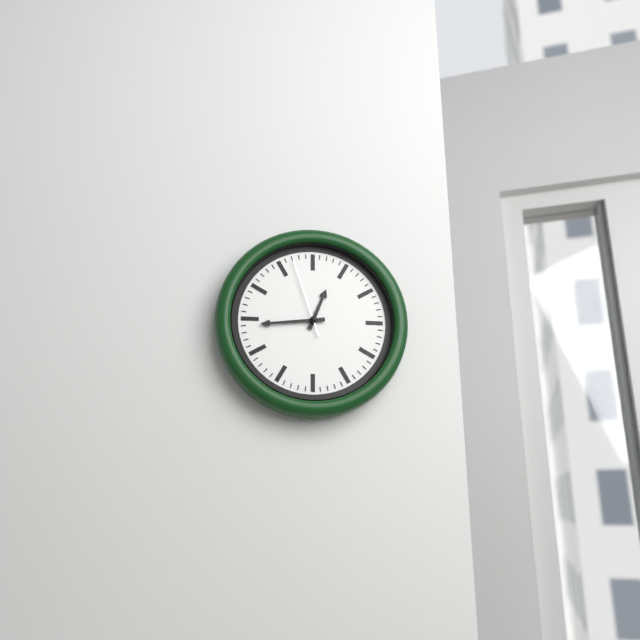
12:44:57
